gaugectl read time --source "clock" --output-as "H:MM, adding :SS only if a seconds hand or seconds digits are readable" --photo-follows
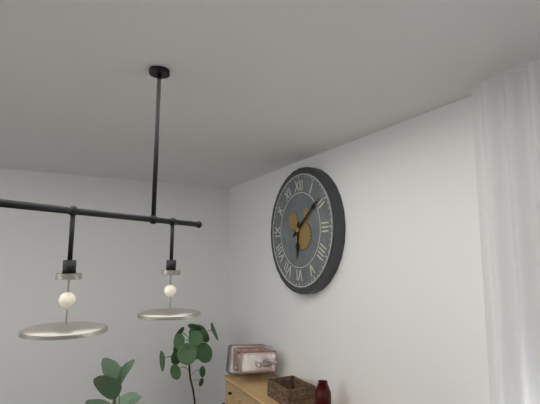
6:09
